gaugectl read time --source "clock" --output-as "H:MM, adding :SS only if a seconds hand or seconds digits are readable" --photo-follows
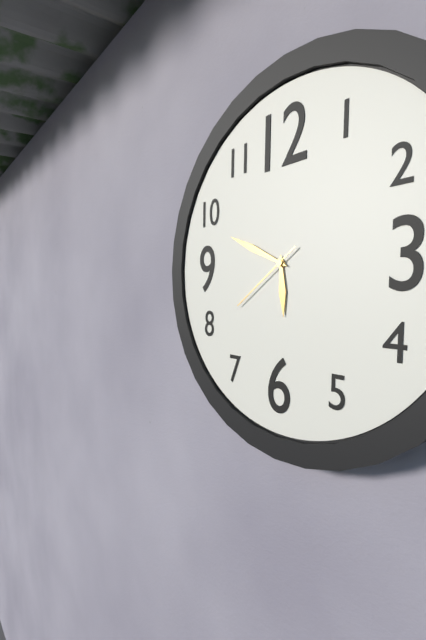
5:49:39
